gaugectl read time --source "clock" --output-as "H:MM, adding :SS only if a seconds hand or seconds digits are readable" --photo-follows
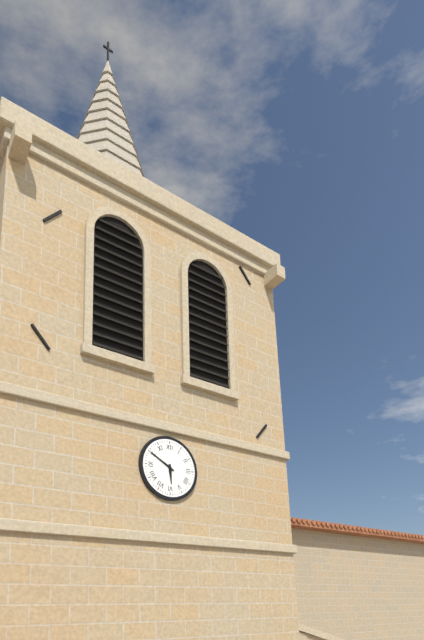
5:50
